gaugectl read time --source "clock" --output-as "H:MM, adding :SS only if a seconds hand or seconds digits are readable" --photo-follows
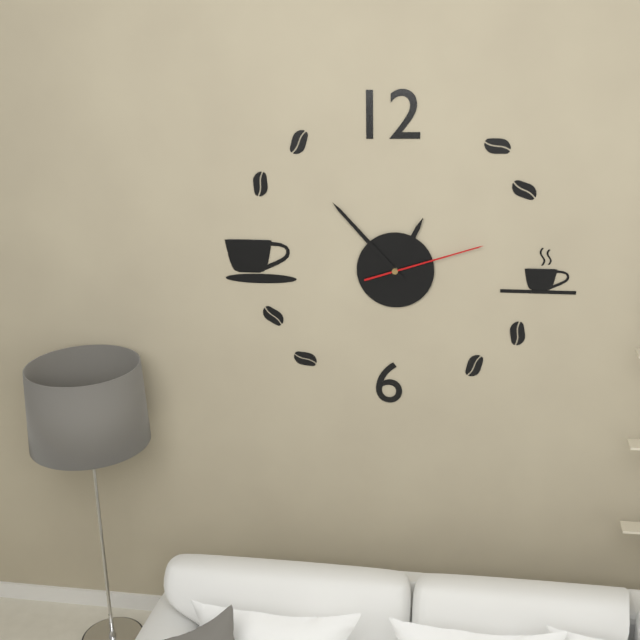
12:53:12
